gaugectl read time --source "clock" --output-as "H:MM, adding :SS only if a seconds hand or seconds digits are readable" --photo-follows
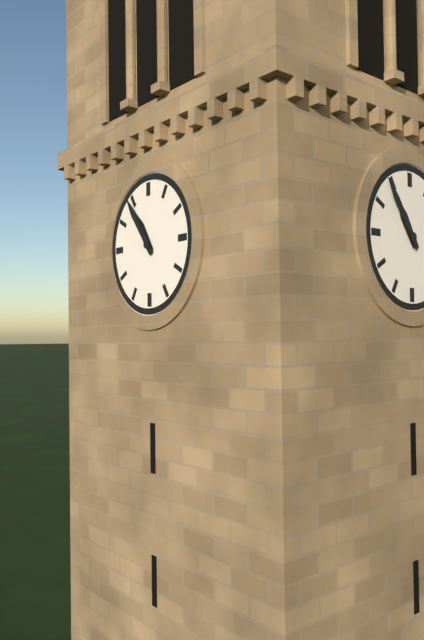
10:54
